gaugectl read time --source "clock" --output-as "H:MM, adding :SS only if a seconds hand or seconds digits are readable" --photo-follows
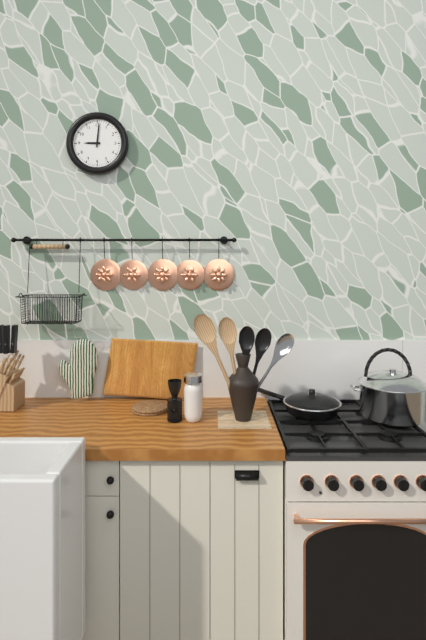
9:01
